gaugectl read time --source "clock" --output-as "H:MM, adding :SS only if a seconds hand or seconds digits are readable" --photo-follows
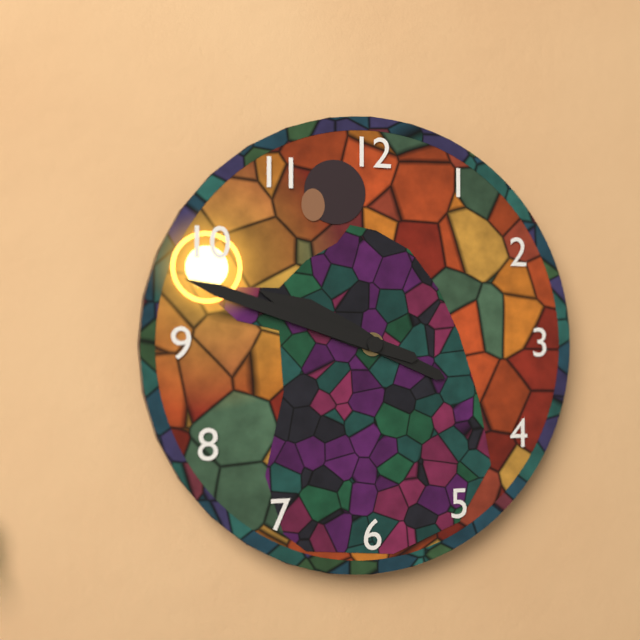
9:48
